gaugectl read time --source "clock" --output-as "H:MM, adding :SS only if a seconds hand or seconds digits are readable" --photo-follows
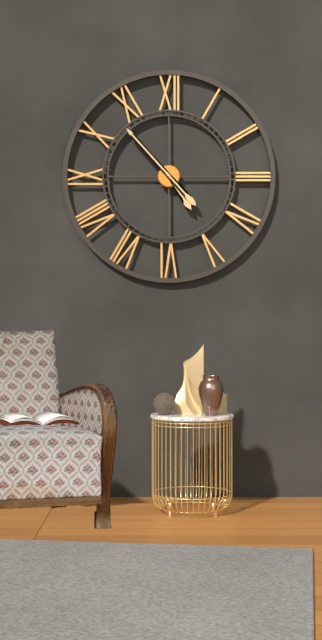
4:53
